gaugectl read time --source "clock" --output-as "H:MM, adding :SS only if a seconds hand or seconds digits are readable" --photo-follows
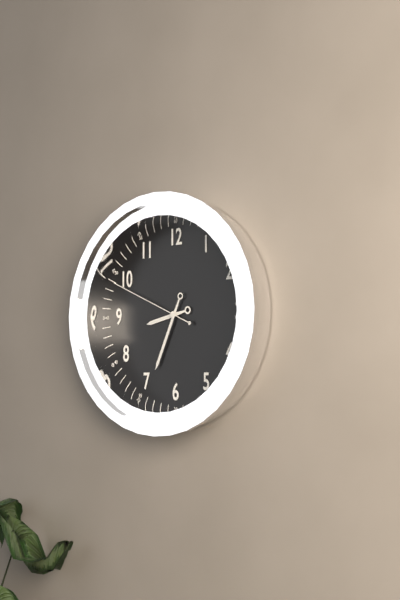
8:34:49
